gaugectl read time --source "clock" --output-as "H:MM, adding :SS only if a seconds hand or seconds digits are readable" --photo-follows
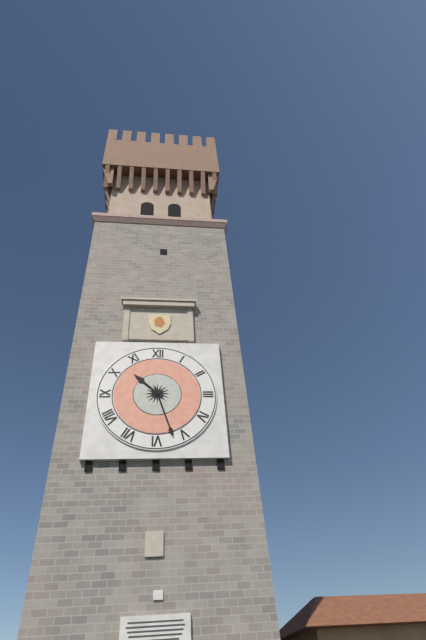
10:27
